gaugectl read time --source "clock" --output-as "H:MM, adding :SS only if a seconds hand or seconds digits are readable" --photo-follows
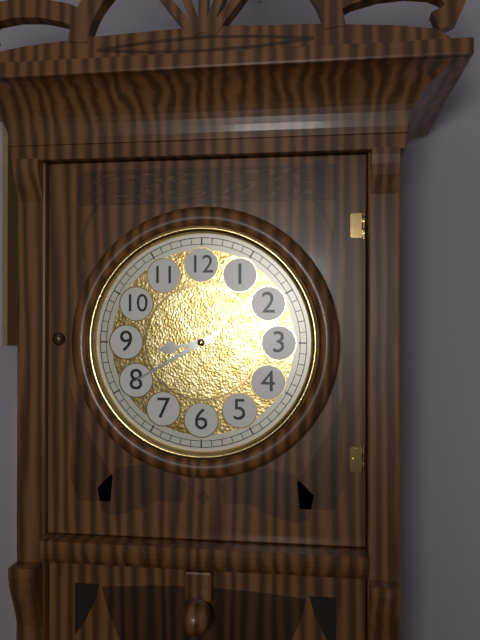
8:40
